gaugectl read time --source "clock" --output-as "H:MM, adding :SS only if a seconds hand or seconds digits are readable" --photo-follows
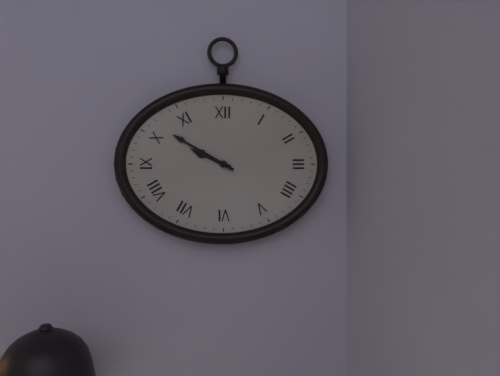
9:50
